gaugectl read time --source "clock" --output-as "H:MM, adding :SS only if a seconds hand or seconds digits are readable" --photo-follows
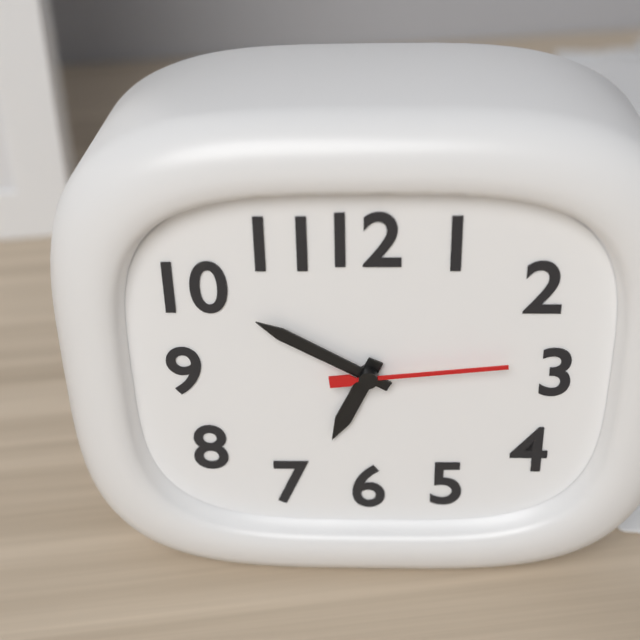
6:50:14
